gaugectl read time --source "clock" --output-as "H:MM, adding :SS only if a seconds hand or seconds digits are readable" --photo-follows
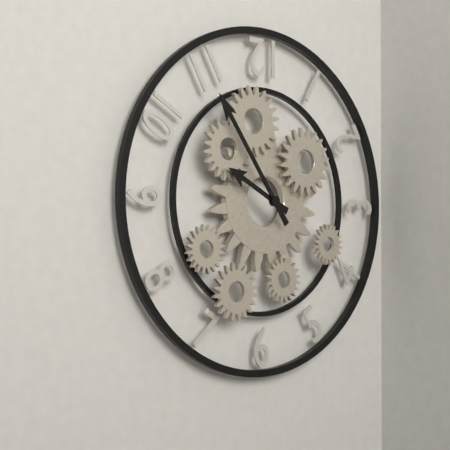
9:54
